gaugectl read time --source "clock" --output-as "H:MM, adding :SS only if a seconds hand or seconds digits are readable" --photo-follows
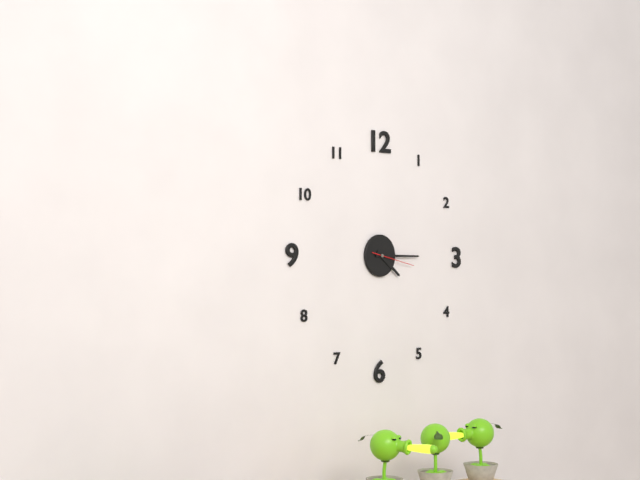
4:15
